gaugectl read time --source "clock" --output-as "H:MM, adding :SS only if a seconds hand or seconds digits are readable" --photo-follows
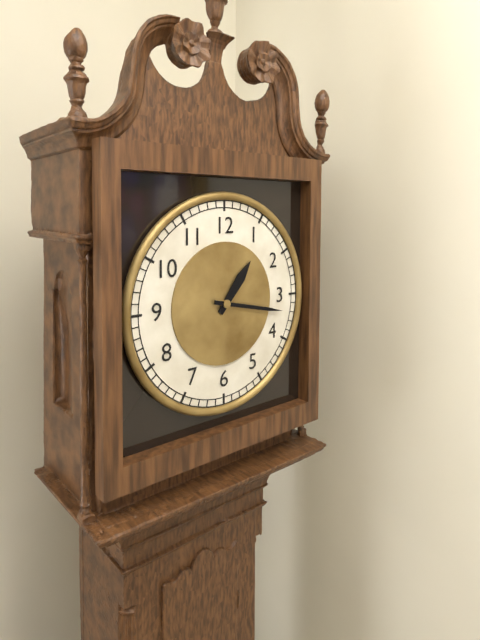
1:17
